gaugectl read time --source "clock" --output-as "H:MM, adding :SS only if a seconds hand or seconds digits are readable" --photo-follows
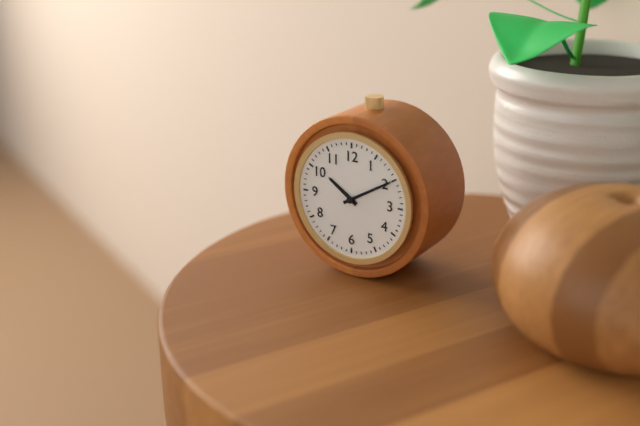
10:10
